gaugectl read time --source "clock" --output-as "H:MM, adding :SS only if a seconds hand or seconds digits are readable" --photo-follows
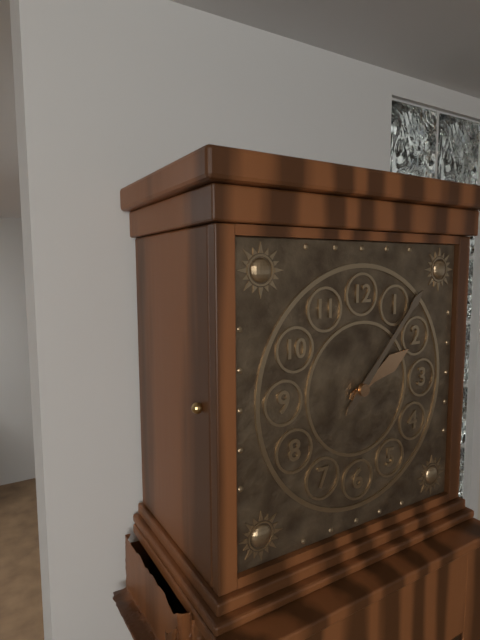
2:07
